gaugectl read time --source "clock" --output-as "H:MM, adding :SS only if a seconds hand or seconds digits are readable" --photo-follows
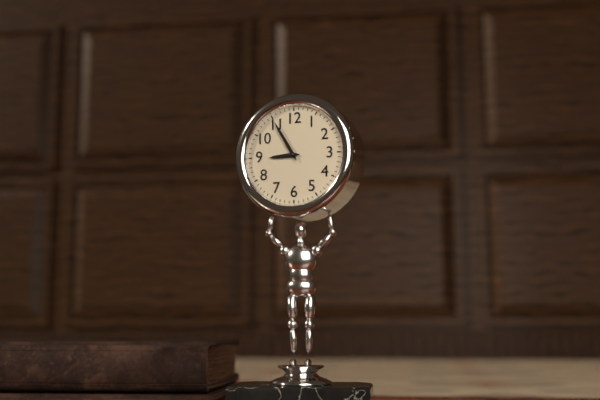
8:55
